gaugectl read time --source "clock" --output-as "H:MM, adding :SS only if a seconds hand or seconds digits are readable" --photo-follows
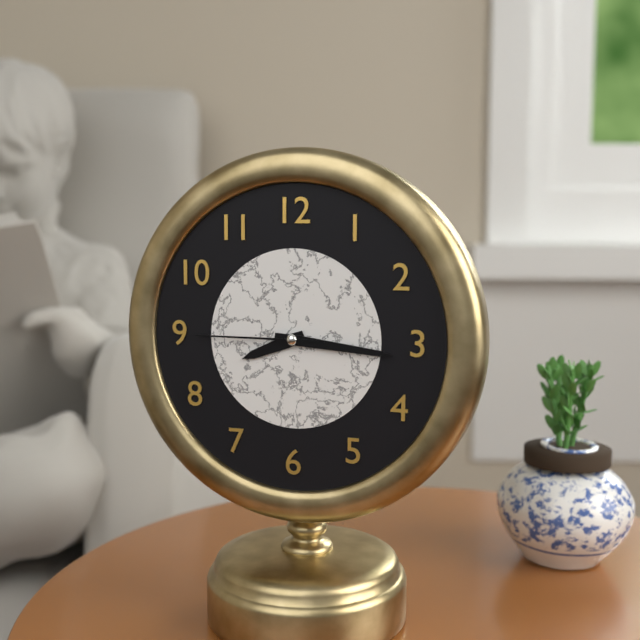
8:16:45
